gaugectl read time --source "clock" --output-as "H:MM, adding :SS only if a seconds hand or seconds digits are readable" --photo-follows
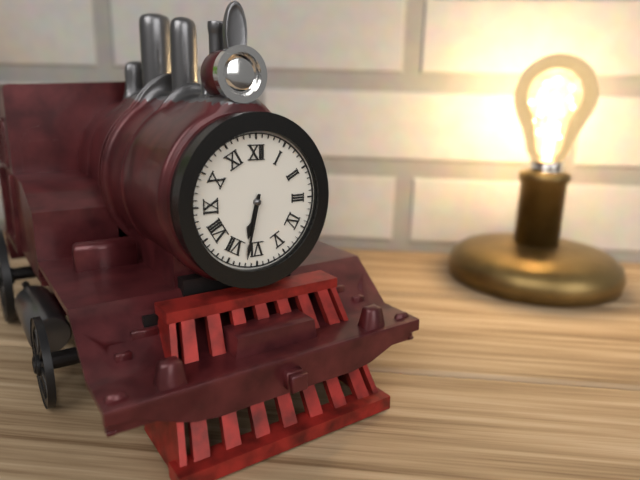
6:32
